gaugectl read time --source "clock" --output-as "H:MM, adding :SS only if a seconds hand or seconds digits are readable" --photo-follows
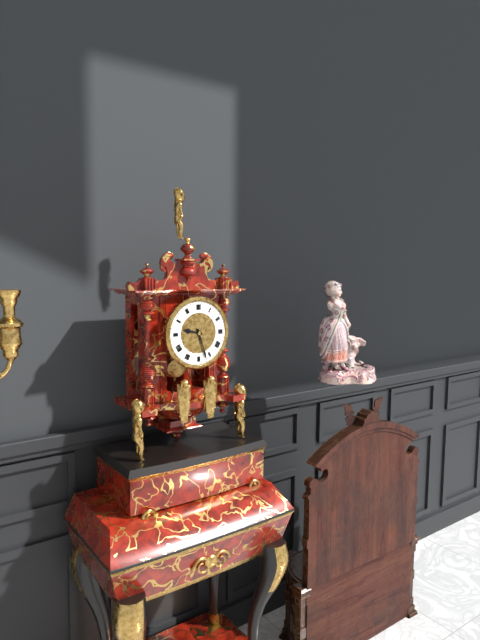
9:27
